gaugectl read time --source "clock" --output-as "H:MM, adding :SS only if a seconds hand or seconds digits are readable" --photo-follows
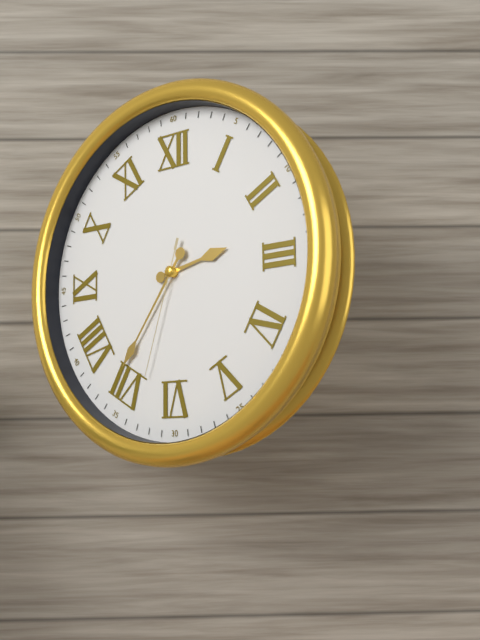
2:36:33
